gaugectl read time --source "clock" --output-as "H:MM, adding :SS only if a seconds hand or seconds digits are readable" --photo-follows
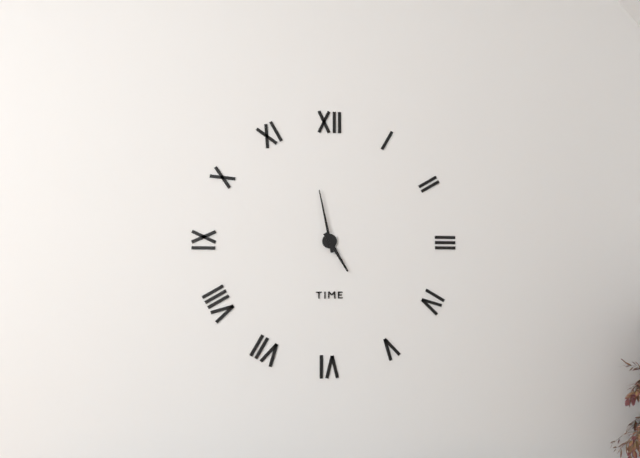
4:58
